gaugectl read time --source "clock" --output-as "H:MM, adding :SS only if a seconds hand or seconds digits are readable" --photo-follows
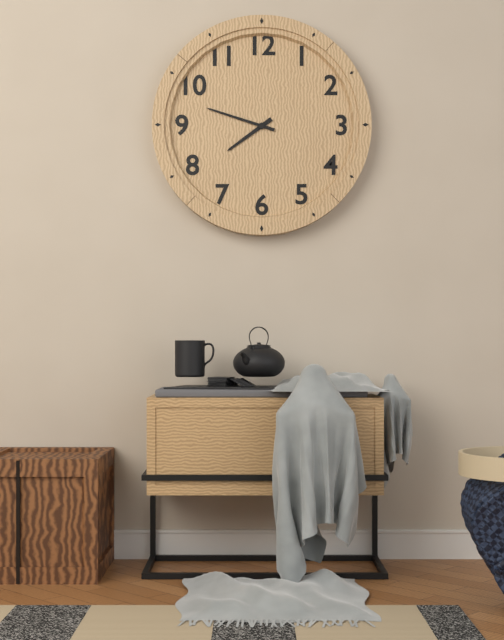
7:48
